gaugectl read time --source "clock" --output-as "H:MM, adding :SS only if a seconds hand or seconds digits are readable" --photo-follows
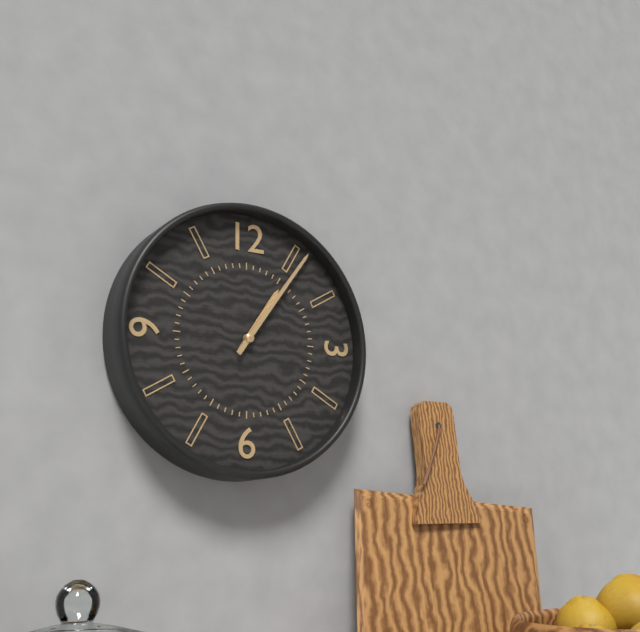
1:06
